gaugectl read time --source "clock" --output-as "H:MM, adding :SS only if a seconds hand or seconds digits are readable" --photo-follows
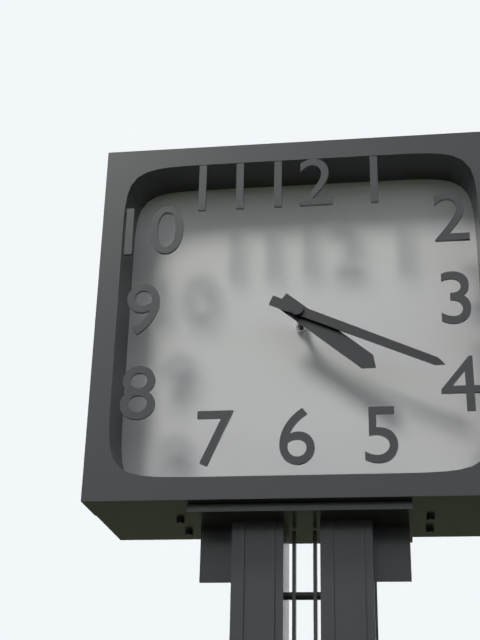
4:19
